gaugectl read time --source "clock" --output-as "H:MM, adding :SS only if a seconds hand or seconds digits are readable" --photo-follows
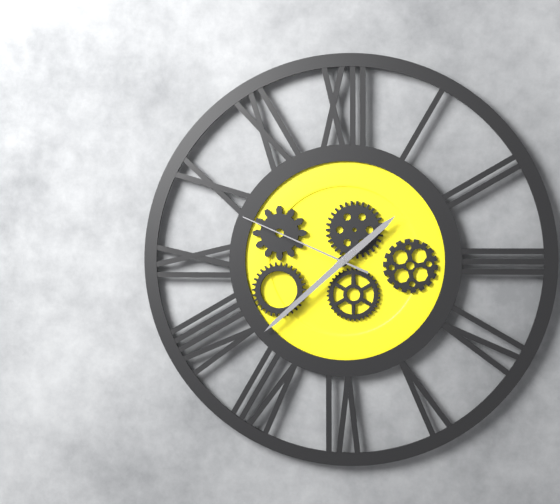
1:38:49
